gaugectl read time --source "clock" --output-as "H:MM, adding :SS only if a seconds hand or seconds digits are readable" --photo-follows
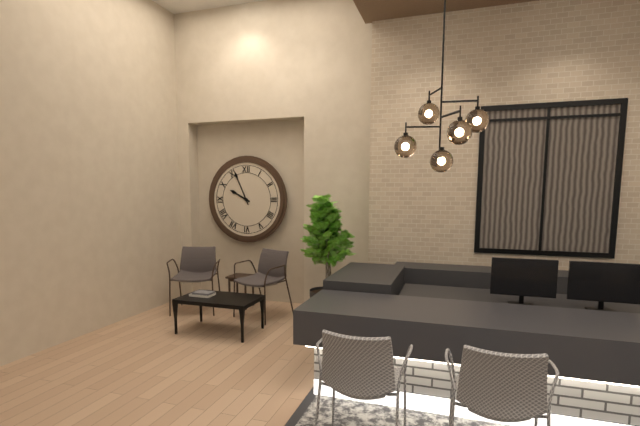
9:56
